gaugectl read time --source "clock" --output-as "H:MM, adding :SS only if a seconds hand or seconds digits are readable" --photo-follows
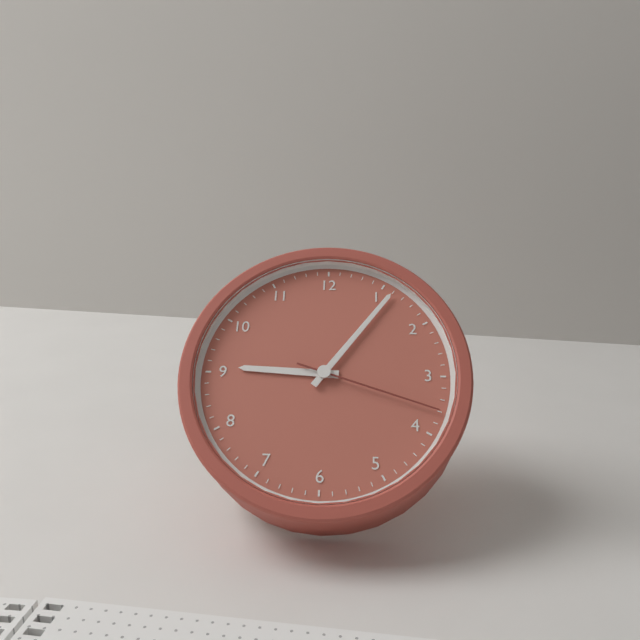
9:06:18
